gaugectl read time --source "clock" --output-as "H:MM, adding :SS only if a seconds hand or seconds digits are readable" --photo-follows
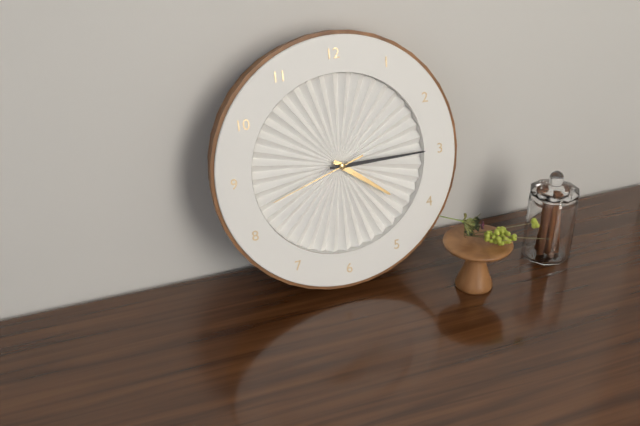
4:15:42
